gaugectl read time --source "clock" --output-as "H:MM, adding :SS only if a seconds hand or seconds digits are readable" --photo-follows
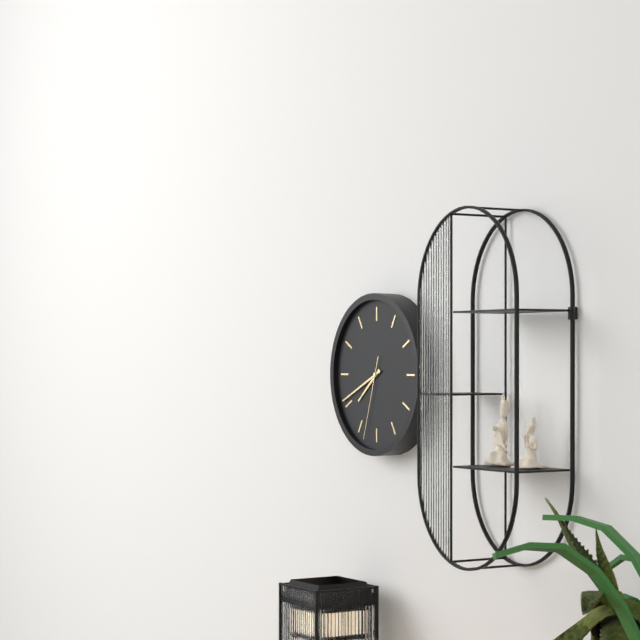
7:41:33
